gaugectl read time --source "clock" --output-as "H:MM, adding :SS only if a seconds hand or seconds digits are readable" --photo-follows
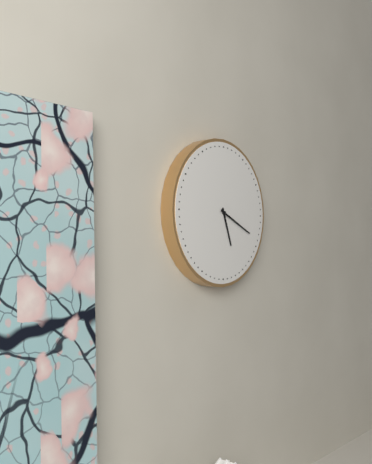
5:19
